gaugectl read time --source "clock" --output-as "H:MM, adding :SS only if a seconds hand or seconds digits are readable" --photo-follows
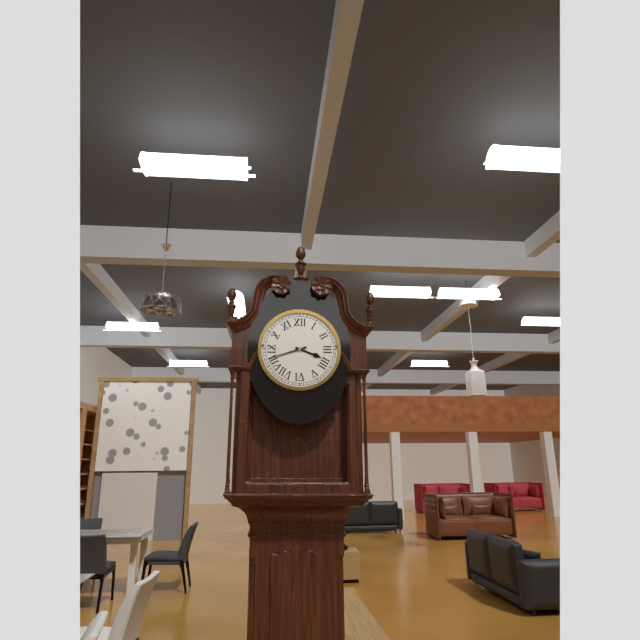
3:42
